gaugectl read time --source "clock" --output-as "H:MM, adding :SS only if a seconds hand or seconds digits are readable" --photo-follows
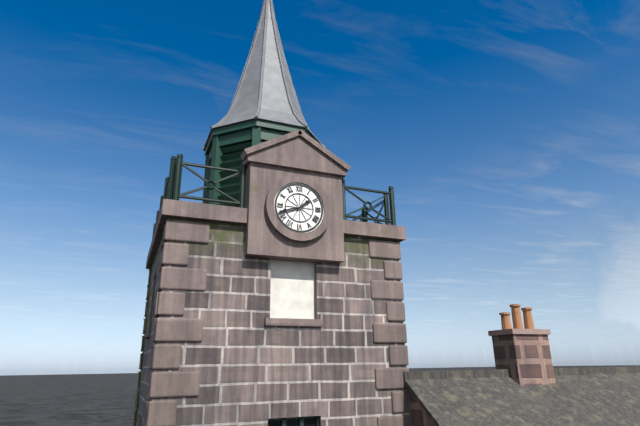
1:42
